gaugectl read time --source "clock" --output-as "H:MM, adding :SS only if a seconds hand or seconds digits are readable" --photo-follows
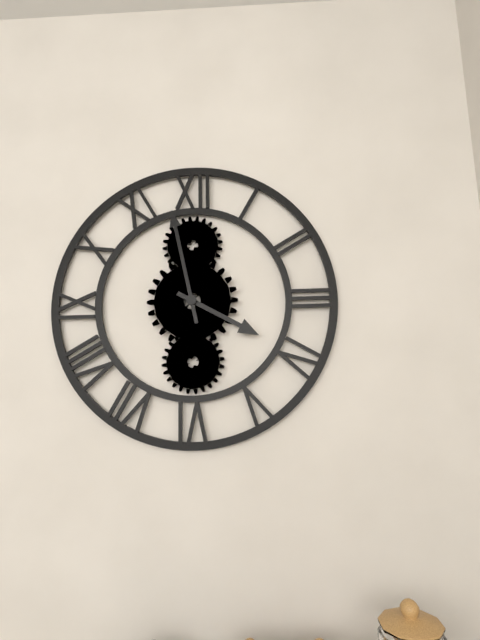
3:58
